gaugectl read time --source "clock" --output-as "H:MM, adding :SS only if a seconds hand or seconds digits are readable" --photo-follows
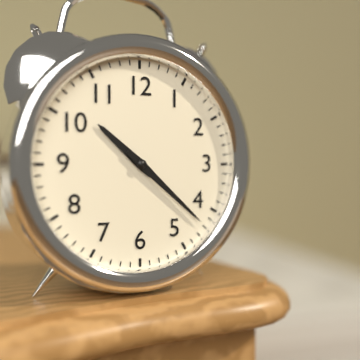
10:22
